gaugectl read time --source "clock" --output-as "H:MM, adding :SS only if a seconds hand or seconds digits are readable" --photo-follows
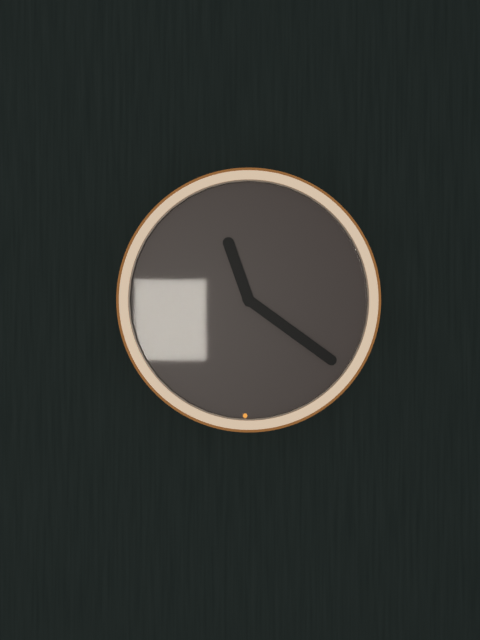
11:21
